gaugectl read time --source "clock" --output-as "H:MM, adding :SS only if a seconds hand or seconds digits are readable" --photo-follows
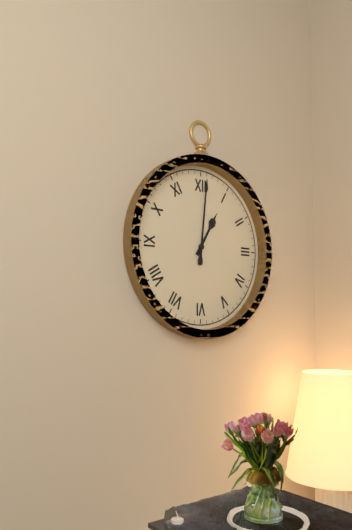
1:01
